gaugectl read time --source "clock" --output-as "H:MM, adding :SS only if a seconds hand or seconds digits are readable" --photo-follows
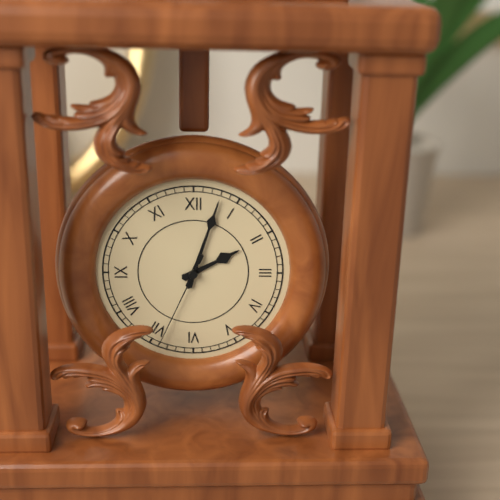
2:03:34
